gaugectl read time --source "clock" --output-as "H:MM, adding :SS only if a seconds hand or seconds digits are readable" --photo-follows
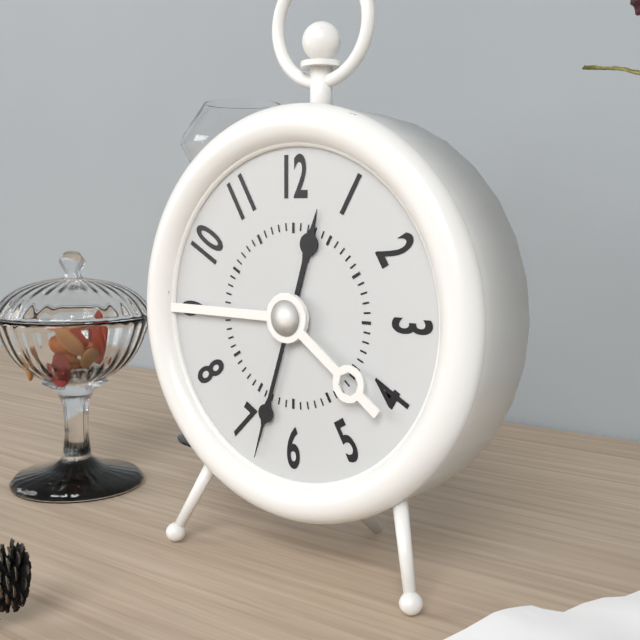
12:33
